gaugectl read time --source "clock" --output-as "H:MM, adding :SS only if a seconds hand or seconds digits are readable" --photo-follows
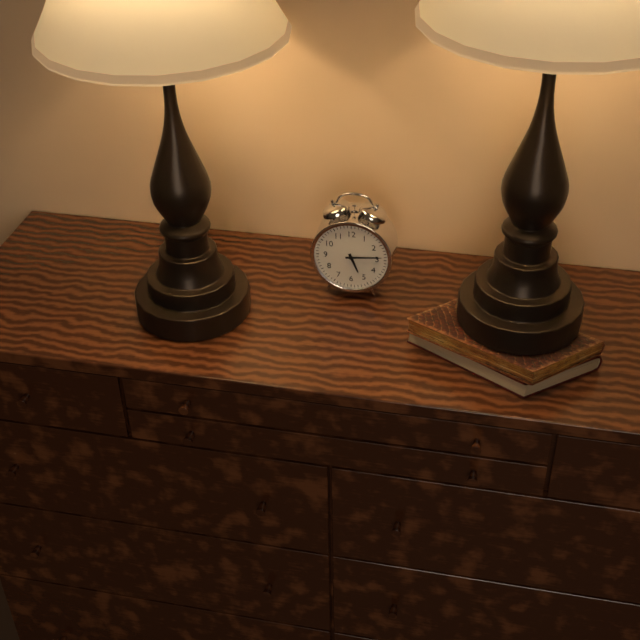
5:14
